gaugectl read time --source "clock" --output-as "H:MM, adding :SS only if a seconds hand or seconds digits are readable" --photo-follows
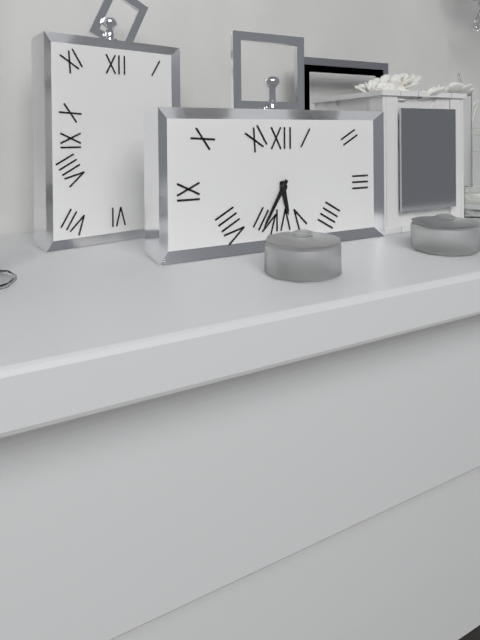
5:35
